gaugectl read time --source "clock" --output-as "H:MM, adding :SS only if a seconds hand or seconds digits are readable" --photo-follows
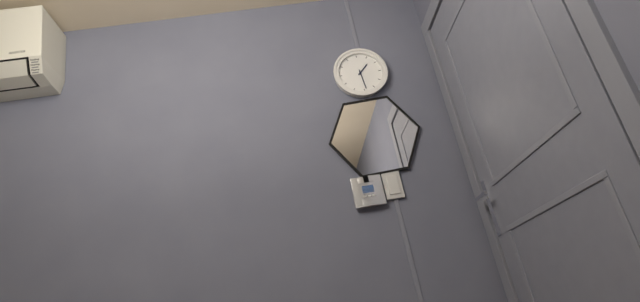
1:29
